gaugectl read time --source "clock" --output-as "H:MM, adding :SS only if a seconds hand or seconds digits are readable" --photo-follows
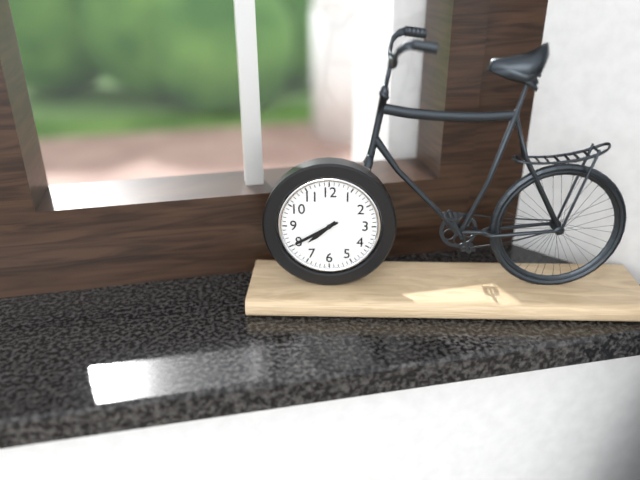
7:40
